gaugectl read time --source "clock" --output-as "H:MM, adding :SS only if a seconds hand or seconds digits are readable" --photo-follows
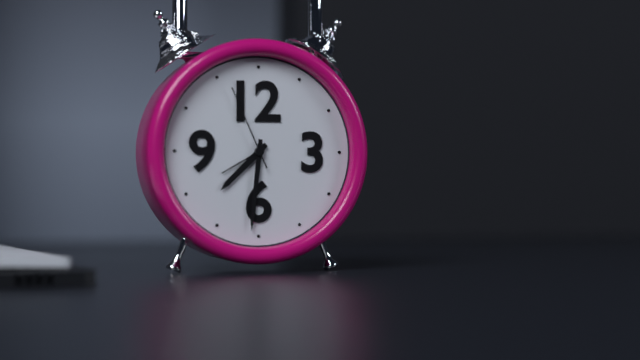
7:31:56
